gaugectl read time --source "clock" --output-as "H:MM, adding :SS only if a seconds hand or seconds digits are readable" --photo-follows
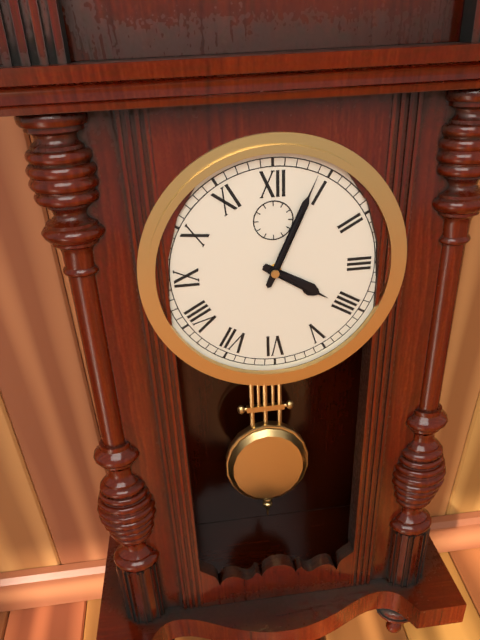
4:04
